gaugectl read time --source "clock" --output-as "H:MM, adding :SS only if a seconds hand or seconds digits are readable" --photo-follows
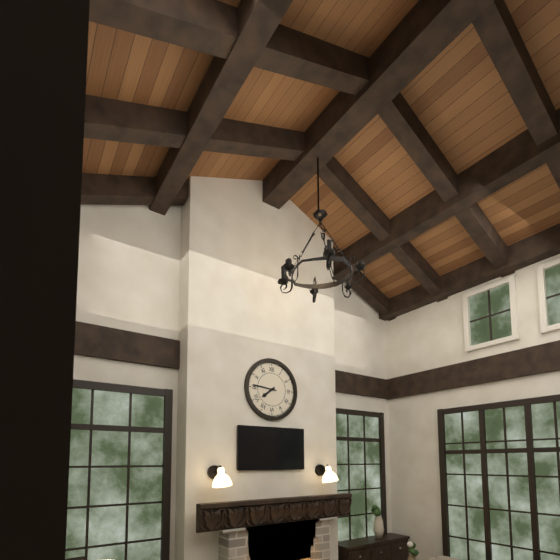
7:46
